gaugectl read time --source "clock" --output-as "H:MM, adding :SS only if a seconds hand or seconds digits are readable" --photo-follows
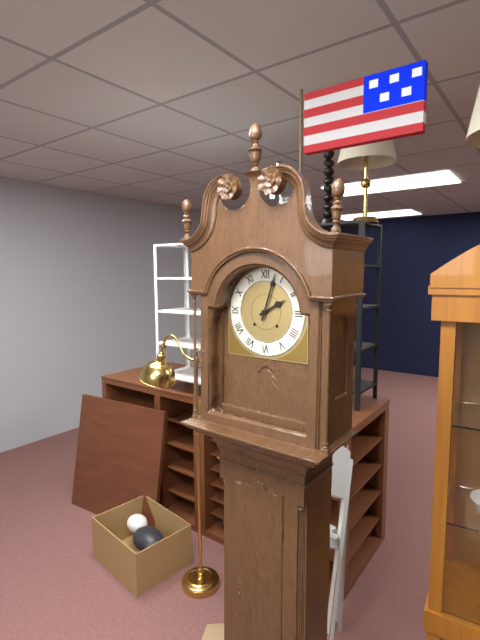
2:03
